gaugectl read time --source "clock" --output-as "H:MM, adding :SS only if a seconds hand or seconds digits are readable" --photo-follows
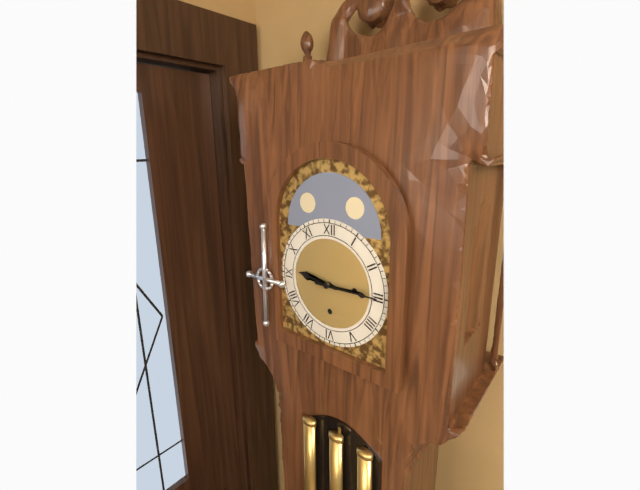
9:15
